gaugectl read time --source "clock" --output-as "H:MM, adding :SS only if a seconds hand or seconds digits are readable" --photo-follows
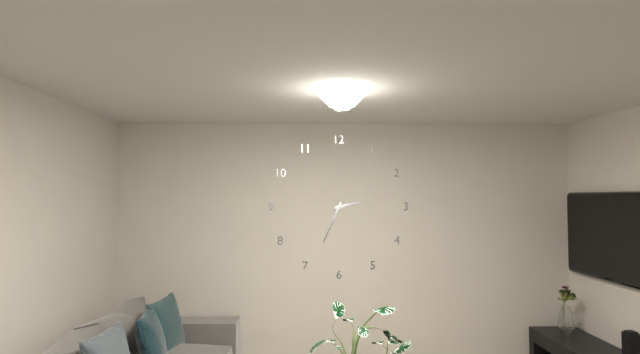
2:34
